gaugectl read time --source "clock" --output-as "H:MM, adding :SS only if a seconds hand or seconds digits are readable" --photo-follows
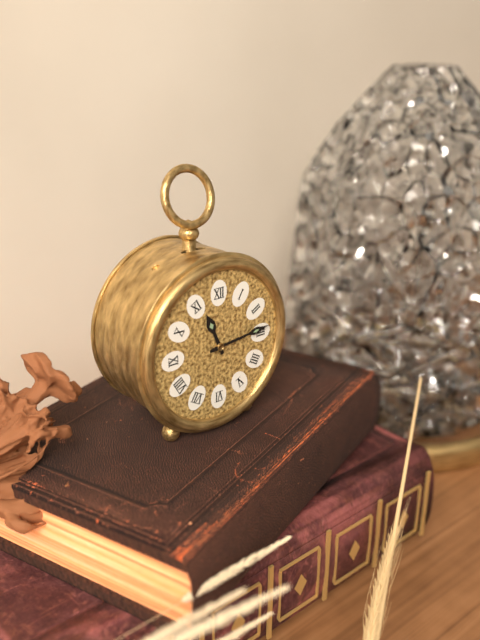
11:14
